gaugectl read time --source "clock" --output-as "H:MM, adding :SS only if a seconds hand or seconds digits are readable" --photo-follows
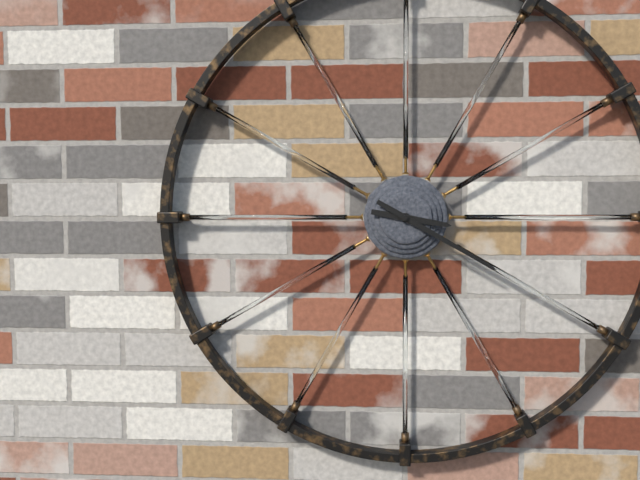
3:20
